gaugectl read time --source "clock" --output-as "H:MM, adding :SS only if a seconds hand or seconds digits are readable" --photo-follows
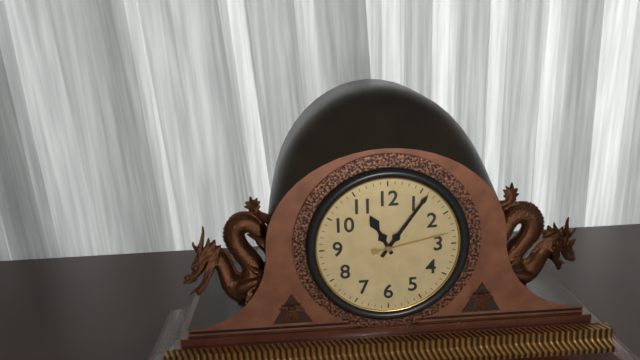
11:06:13
